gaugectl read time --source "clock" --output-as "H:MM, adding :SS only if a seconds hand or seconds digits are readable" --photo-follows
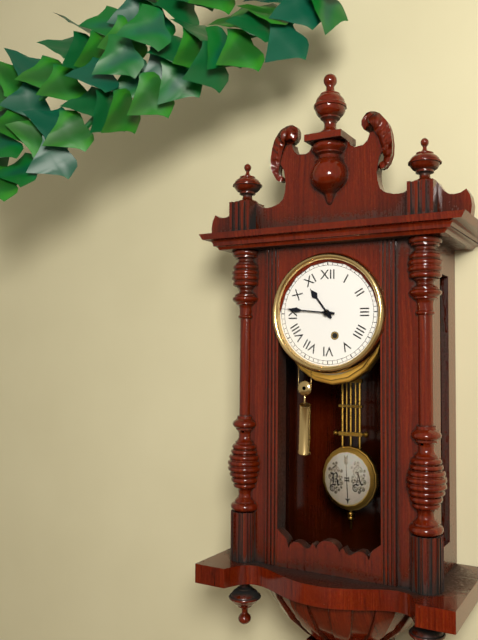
10:46
